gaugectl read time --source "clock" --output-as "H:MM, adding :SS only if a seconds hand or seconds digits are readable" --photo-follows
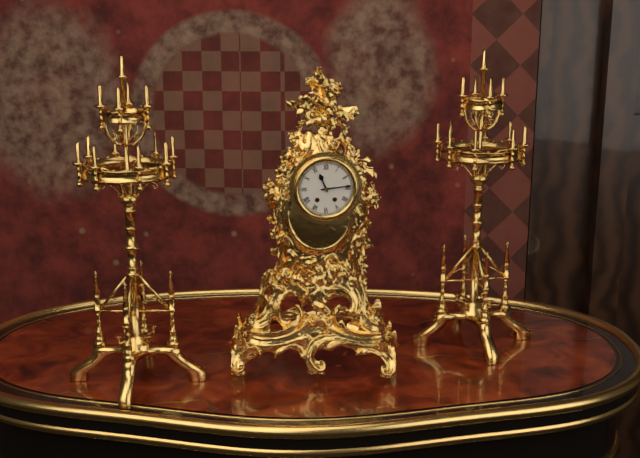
11:14
